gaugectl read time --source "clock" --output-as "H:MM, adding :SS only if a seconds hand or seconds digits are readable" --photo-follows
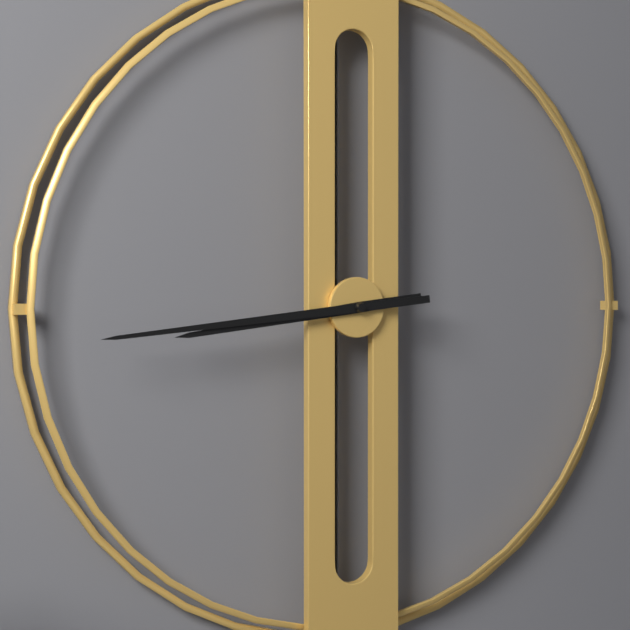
8:44
